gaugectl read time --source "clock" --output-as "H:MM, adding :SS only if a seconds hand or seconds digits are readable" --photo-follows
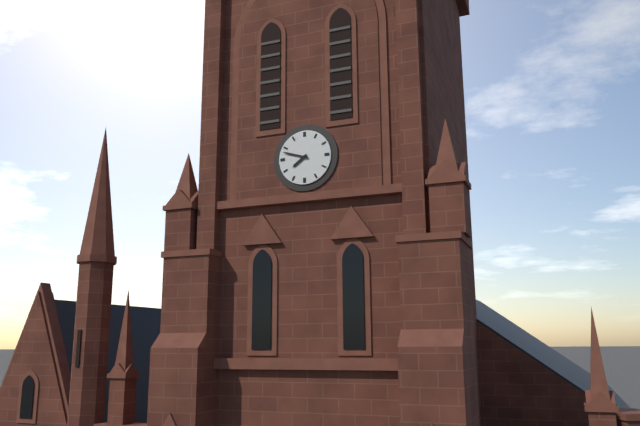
7:48
